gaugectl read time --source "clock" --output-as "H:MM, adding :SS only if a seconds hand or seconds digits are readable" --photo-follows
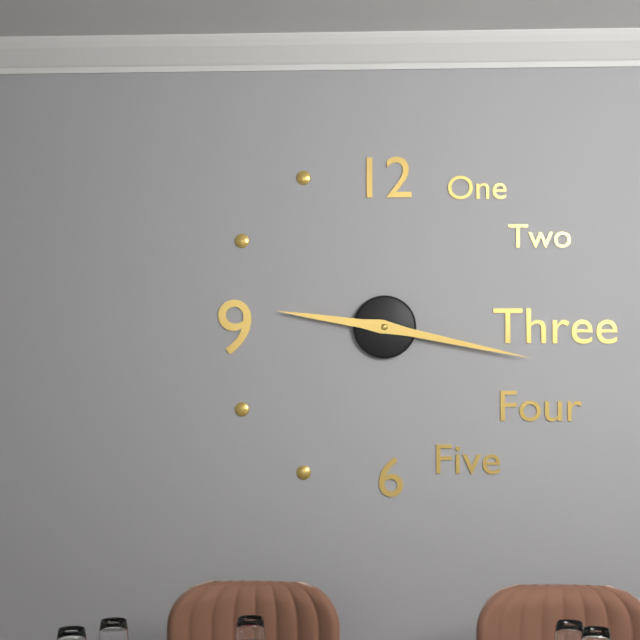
9:17
